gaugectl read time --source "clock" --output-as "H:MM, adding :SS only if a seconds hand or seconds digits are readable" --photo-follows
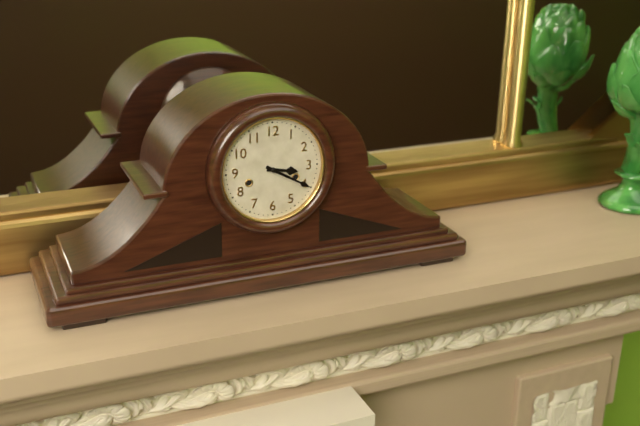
3:20
